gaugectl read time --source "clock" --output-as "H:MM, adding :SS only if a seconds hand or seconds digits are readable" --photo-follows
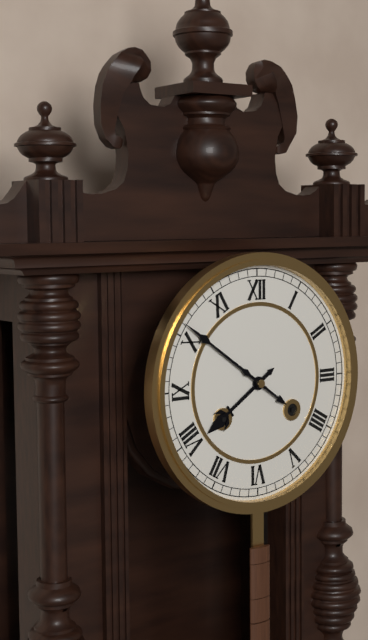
7:51
